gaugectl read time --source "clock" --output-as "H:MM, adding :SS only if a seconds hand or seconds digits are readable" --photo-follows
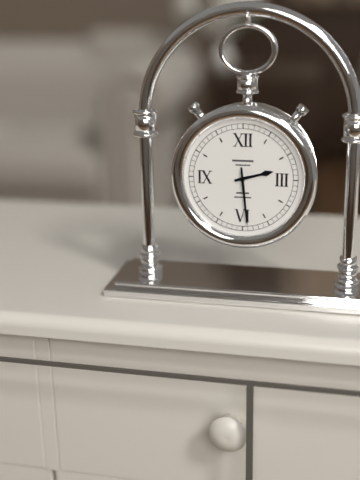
2:29
